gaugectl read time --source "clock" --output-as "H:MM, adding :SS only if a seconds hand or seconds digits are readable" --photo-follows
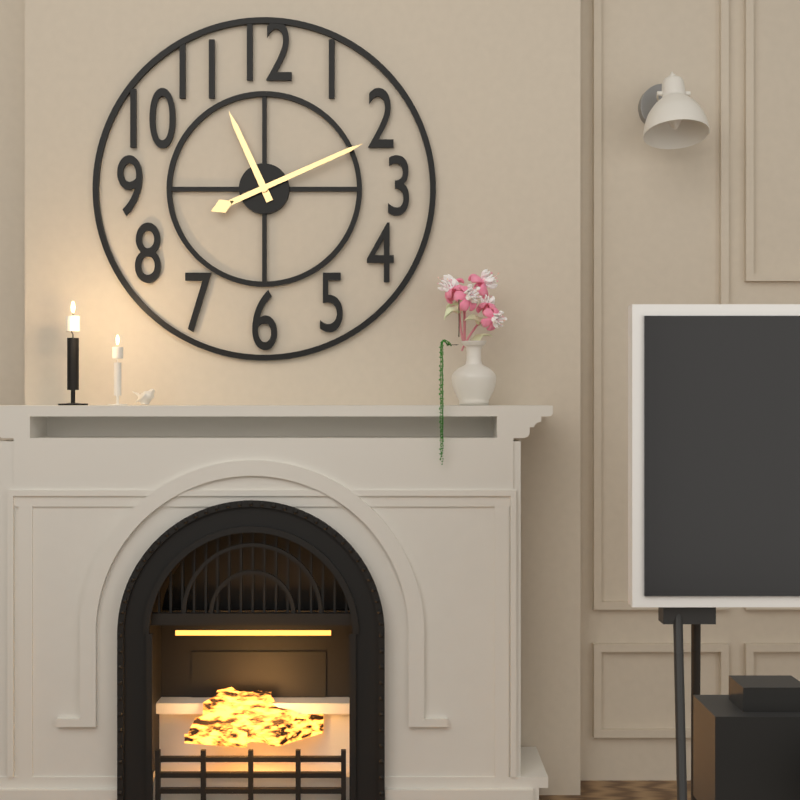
11:11
